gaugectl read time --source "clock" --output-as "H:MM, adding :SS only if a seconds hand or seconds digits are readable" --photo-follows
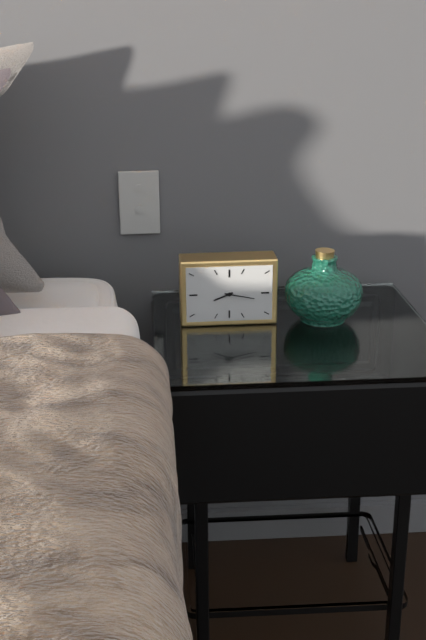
8:17
